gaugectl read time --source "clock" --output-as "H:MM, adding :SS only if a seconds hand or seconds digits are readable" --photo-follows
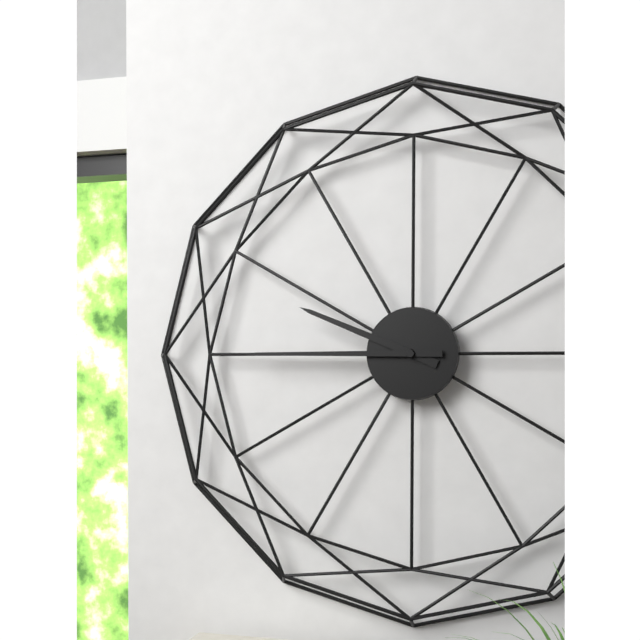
9:45
